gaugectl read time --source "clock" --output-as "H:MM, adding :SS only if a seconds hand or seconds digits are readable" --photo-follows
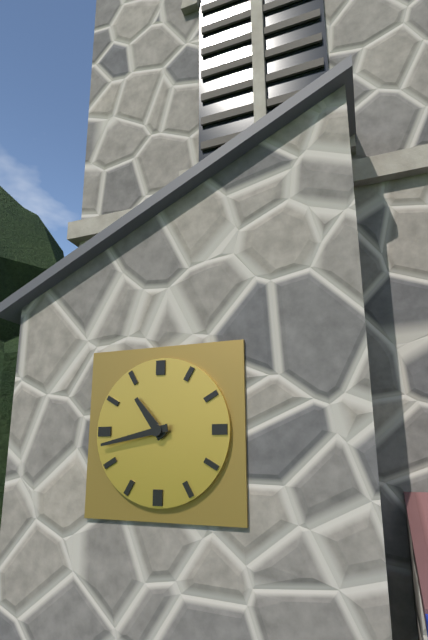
10:43
